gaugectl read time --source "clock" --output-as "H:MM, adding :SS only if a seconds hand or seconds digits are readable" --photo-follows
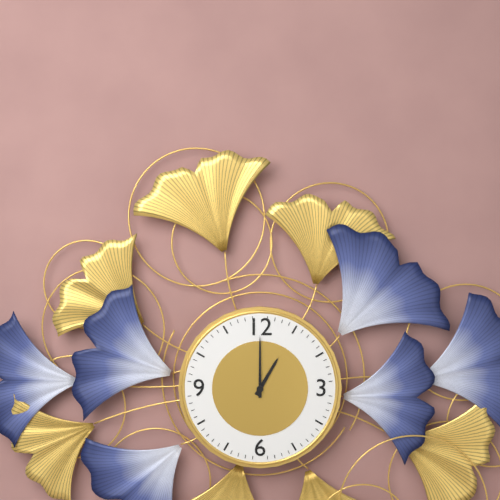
1:00
